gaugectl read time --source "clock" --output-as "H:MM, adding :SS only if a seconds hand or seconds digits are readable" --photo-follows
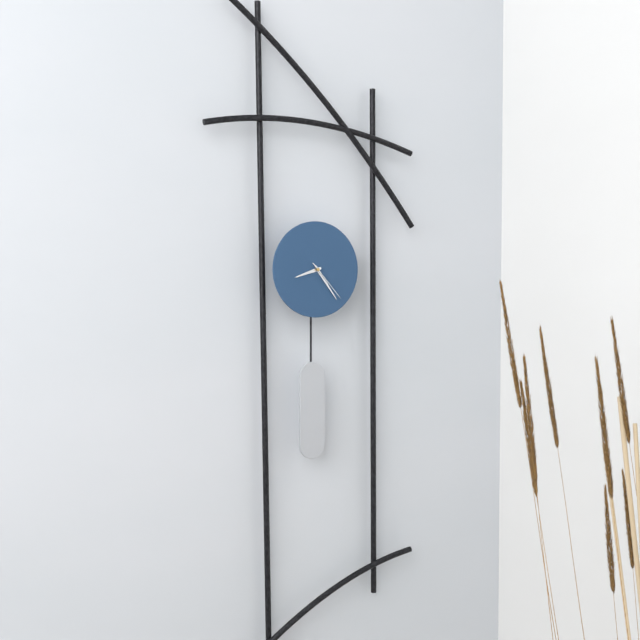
8:24
